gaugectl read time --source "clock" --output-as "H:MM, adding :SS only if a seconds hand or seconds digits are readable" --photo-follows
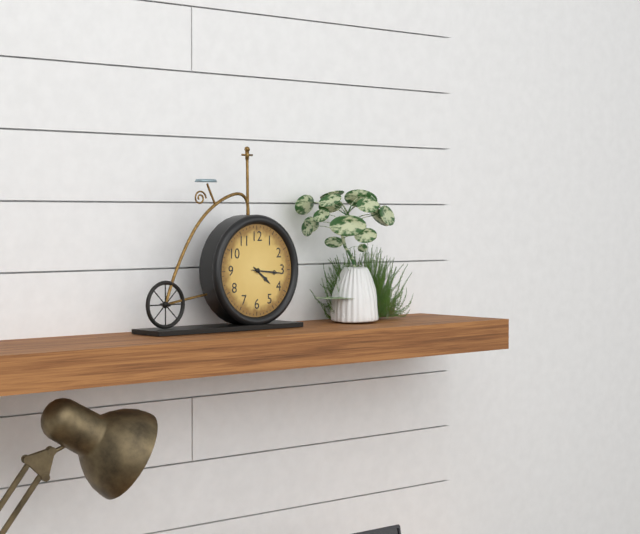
4:16
